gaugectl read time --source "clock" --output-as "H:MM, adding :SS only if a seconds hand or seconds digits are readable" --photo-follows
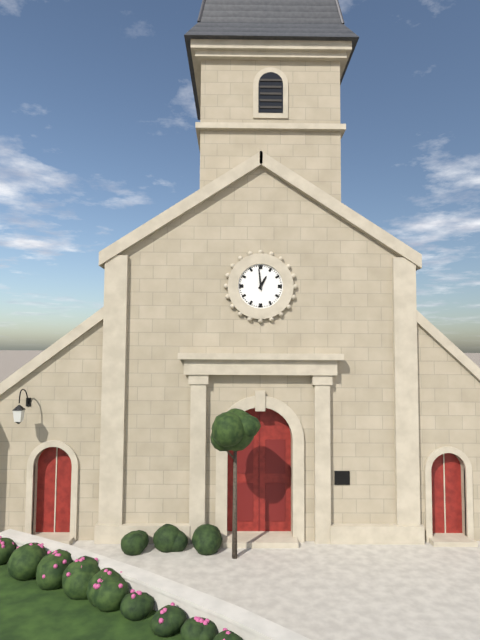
12:59
